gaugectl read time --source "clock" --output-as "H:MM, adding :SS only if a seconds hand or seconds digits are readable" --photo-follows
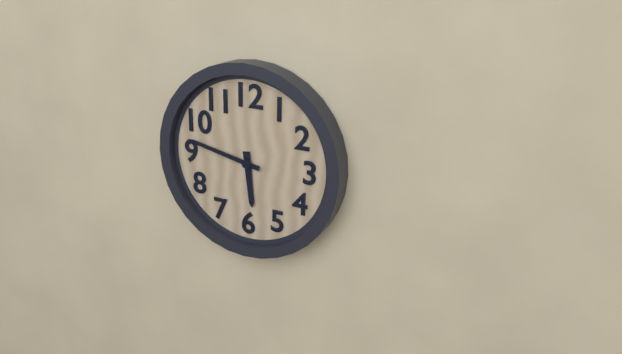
5:47
